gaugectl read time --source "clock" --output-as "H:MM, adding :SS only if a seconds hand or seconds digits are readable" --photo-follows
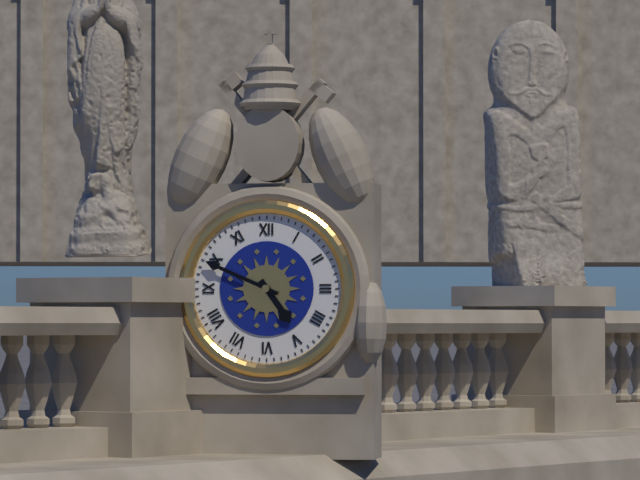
4:49
